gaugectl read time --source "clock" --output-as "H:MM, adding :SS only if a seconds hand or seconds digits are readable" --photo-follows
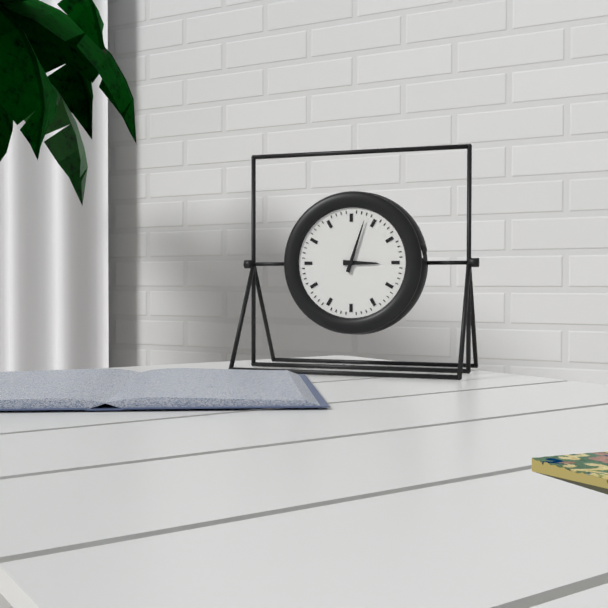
3:03
